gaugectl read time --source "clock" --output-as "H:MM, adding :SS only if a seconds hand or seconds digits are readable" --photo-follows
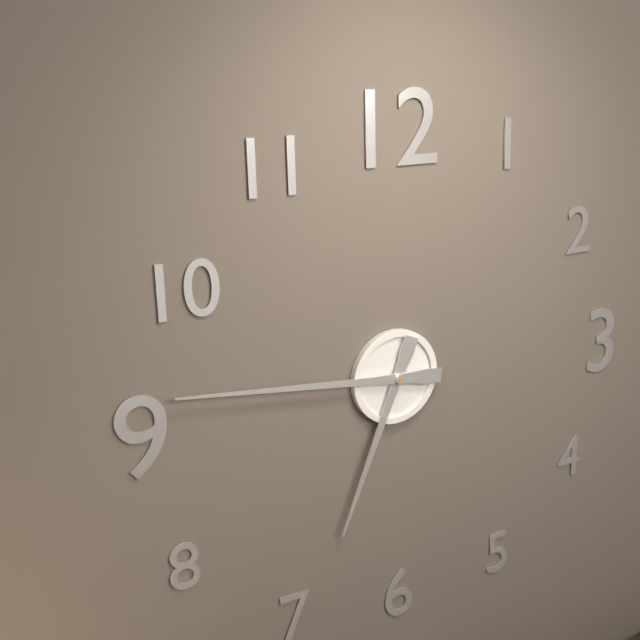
6:46
